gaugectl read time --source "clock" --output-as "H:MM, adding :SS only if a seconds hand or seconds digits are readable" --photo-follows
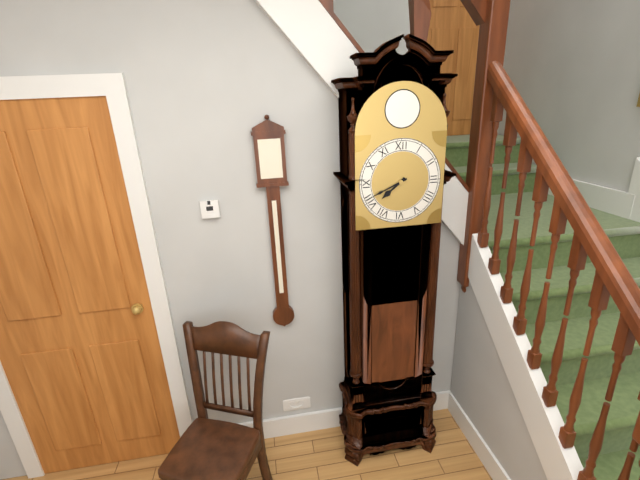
7:41
